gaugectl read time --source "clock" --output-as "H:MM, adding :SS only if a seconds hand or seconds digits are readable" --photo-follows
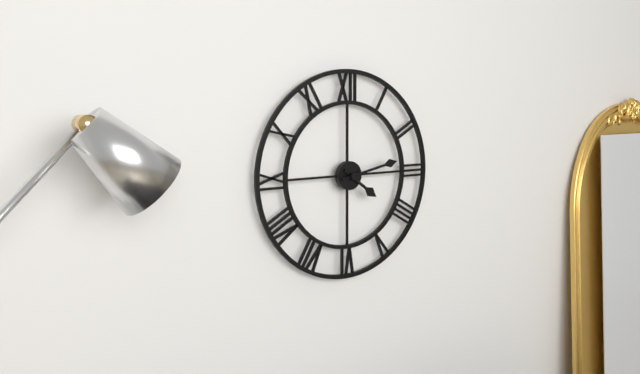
4:13
